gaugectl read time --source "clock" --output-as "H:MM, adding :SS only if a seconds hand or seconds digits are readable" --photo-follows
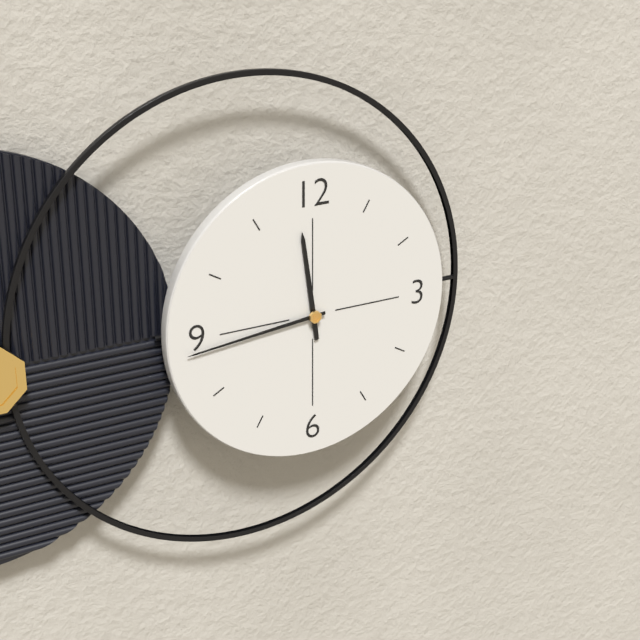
11:44
